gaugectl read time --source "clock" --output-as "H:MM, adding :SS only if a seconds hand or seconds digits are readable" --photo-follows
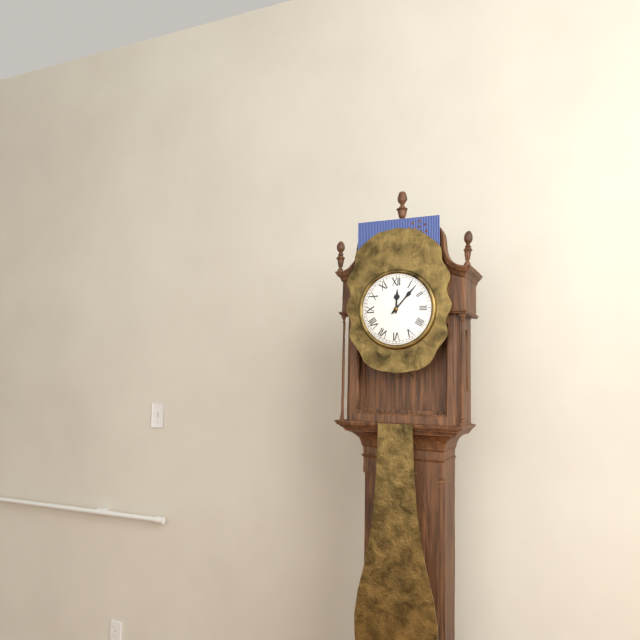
12:07
